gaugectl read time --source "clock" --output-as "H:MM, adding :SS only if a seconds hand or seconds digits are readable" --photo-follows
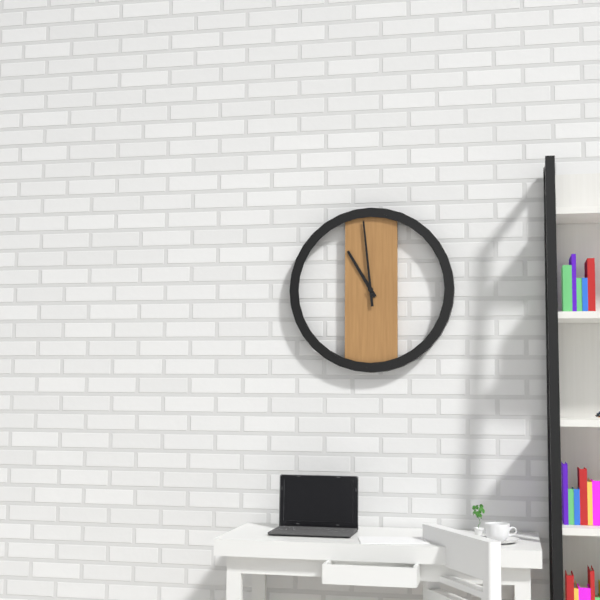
10:59
